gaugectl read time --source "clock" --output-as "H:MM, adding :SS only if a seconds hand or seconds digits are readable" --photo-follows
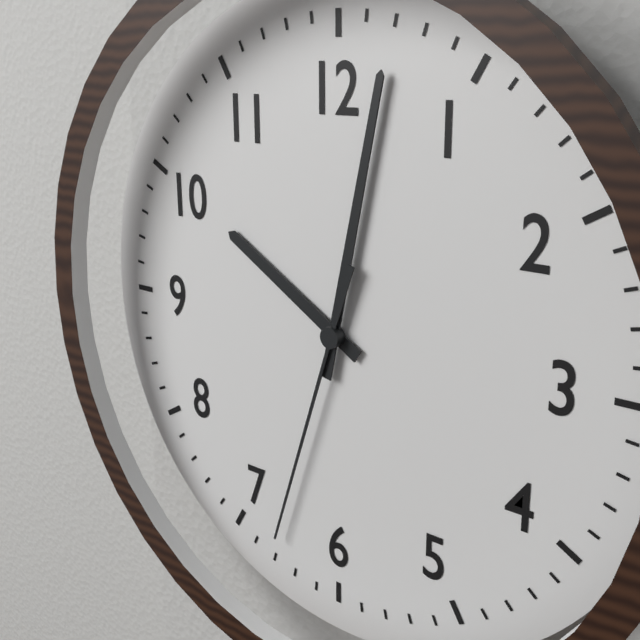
10:02:33
